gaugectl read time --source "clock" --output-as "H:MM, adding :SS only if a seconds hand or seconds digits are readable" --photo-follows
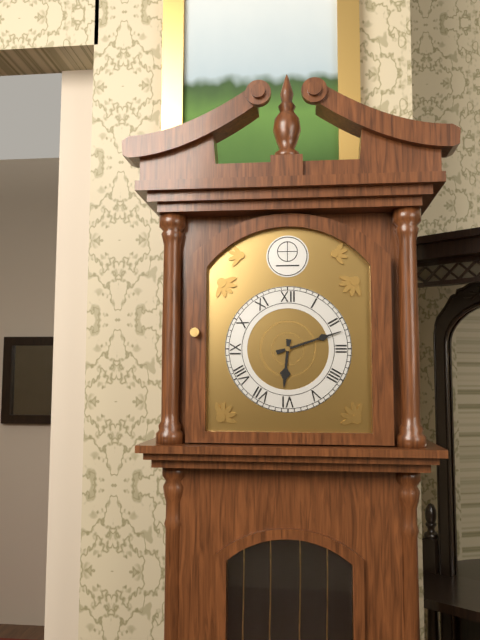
6:12
